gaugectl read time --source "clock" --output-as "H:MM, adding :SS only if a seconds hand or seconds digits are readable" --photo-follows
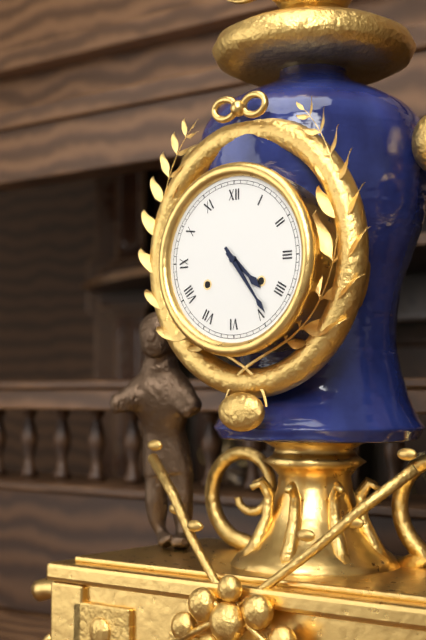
4:24
